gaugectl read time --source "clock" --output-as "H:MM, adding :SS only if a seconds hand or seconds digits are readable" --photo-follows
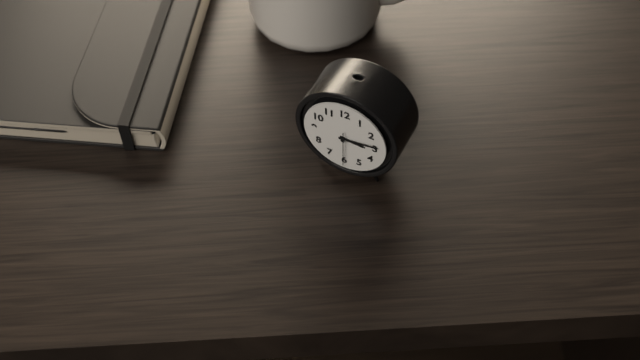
3:14
